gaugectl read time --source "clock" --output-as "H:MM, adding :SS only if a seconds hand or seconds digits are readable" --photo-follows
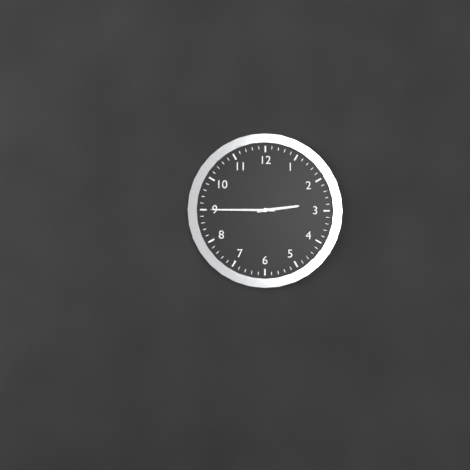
2:45
